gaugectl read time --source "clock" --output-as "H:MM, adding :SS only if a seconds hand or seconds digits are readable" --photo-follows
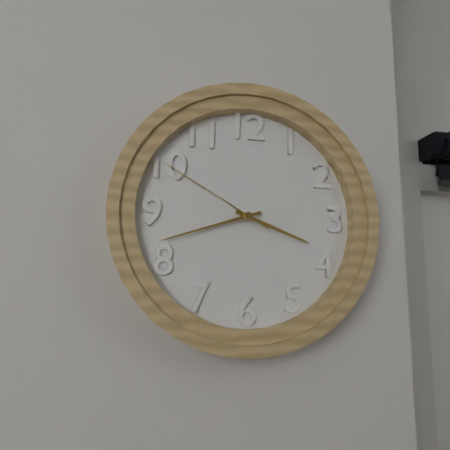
3:42:50
